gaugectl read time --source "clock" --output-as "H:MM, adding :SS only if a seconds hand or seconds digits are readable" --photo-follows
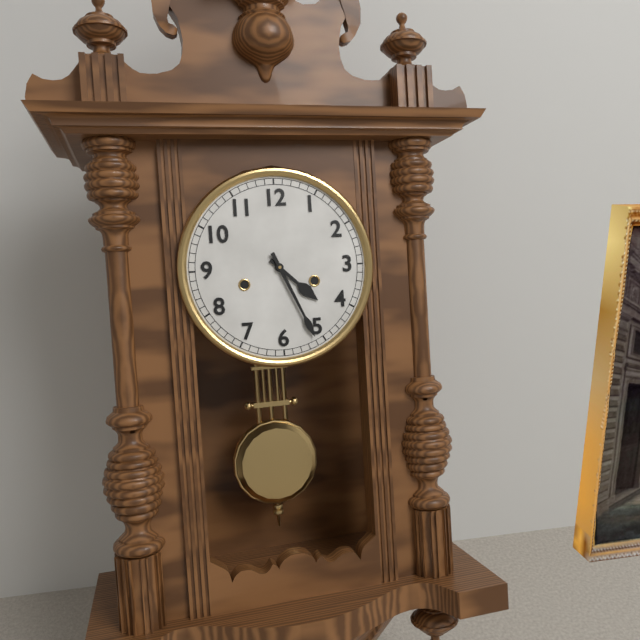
4:26
